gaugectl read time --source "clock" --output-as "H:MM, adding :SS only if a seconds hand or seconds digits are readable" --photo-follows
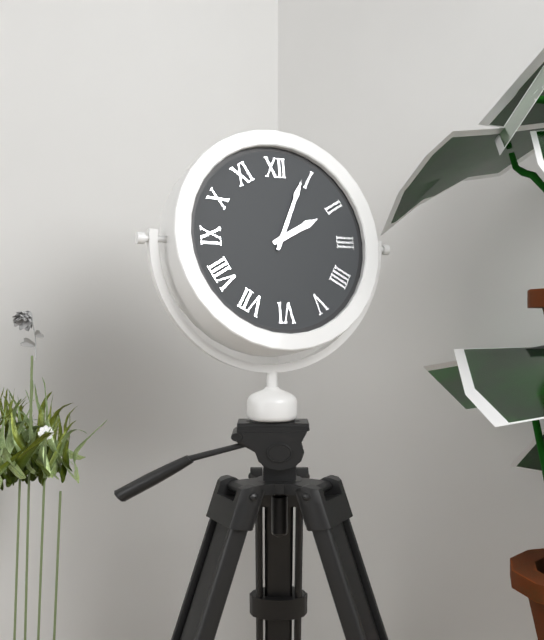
2:04
